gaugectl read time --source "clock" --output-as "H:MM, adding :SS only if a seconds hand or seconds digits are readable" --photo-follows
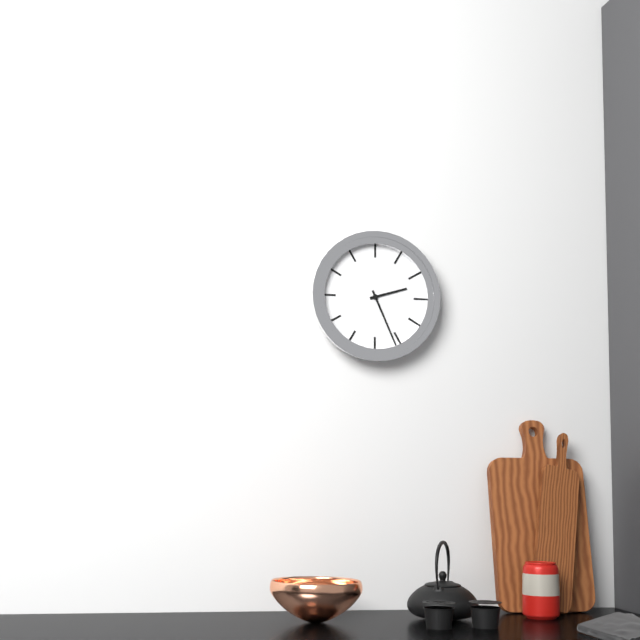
2:26
